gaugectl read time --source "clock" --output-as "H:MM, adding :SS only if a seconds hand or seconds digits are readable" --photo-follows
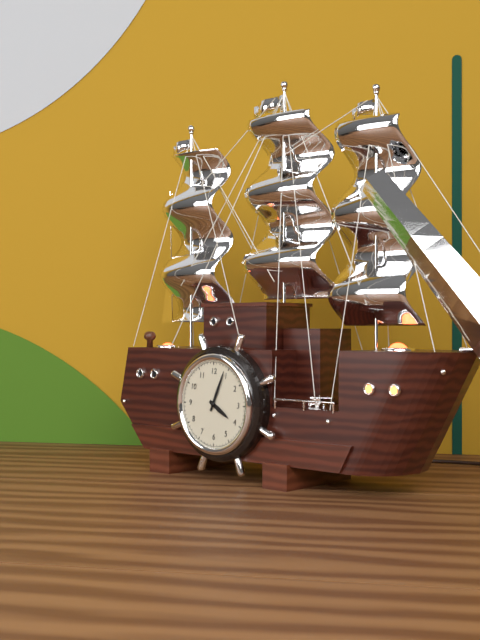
4:04
